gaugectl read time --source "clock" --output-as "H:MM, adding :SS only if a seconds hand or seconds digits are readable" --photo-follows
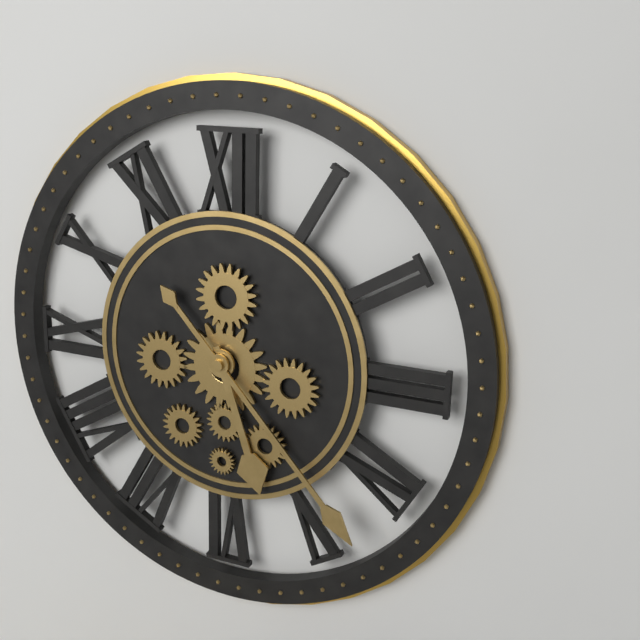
5:23
